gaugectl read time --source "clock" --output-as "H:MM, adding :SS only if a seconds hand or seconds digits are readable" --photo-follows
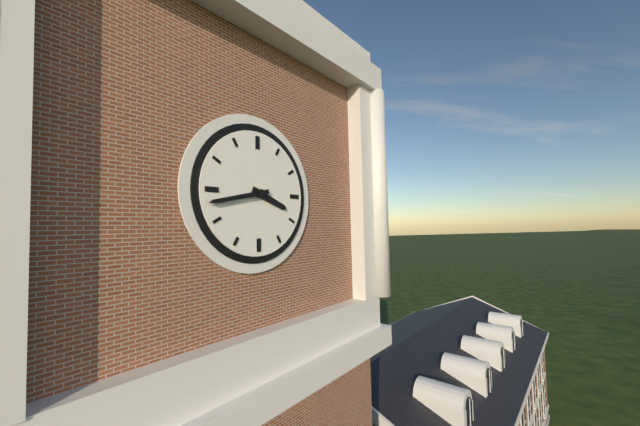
3:43
